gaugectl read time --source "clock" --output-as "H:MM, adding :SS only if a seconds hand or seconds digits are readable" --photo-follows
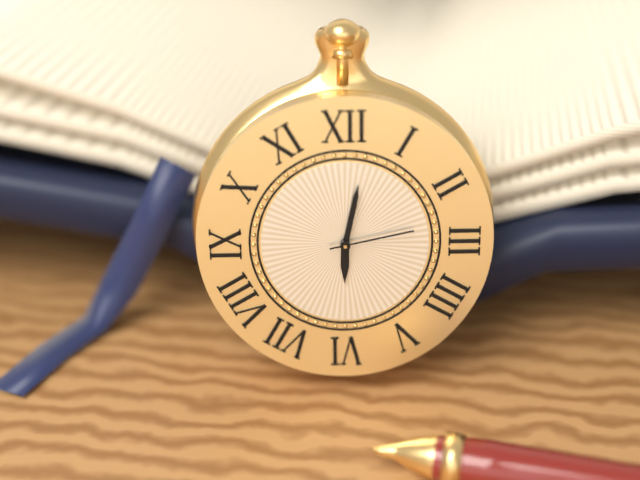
6:02:13
